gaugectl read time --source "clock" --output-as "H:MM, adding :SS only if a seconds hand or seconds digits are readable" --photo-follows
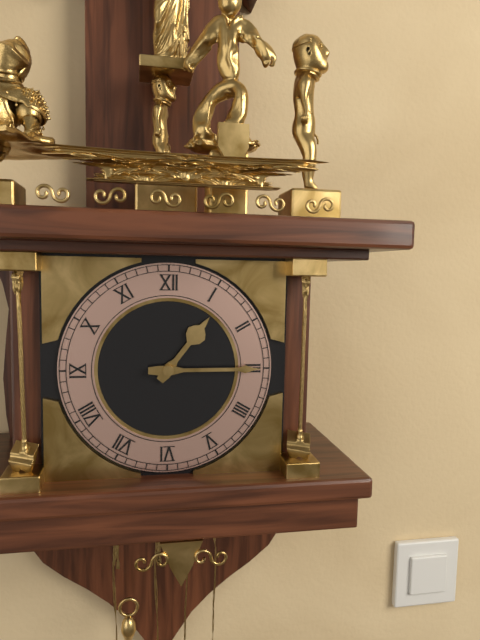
1:15
